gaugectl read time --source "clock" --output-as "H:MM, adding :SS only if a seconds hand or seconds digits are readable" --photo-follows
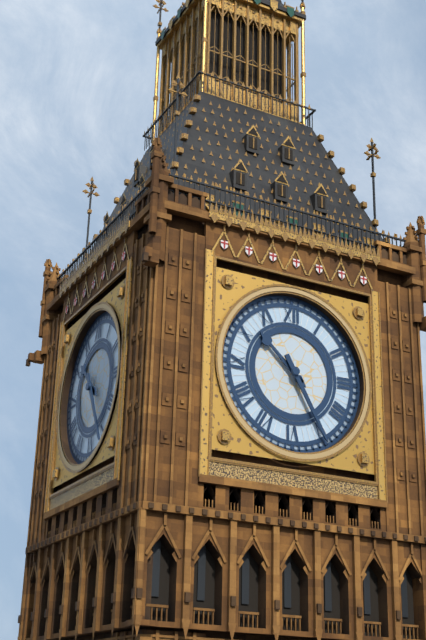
10:25
